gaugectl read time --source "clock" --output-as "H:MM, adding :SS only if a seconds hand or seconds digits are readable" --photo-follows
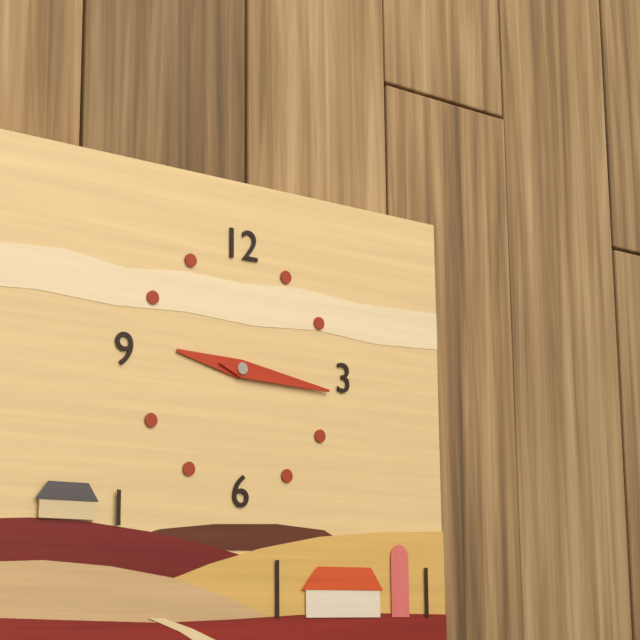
9:16
